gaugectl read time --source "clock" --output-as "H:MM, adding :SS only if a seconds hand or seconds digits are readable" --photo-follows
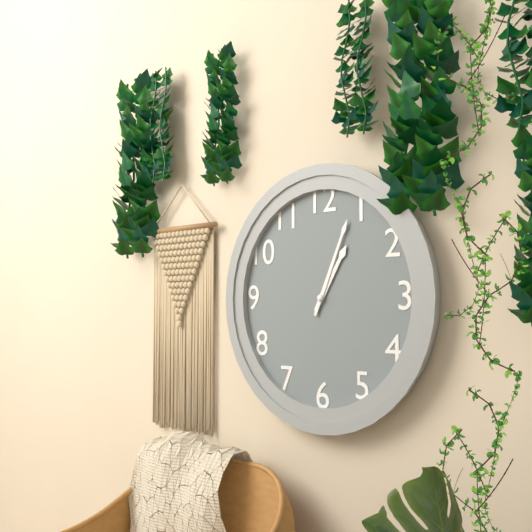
1:04
